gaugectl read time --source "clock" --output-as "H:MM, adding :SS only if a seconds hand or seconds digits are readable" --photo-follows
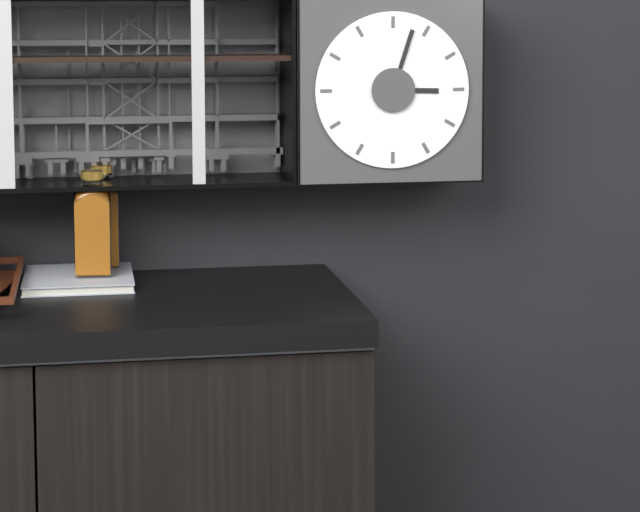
3:03
